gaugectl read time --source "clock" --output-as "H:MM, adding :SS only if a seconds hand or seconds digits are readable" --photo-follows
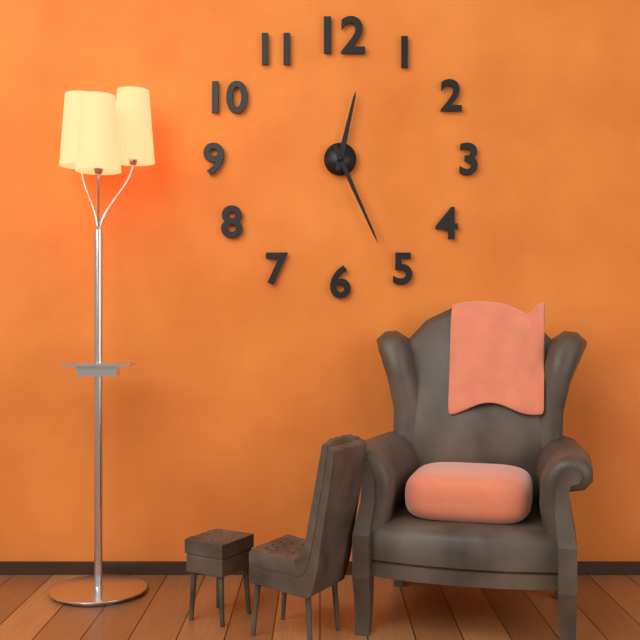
12:26
